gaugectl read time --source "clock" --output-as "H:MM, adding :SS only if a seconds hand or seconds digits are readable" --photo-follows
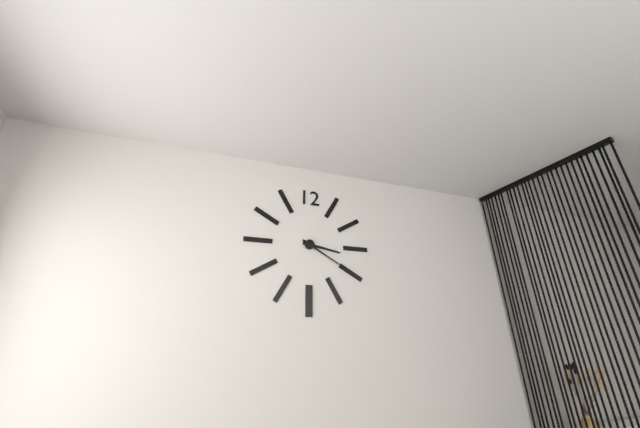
3:20
